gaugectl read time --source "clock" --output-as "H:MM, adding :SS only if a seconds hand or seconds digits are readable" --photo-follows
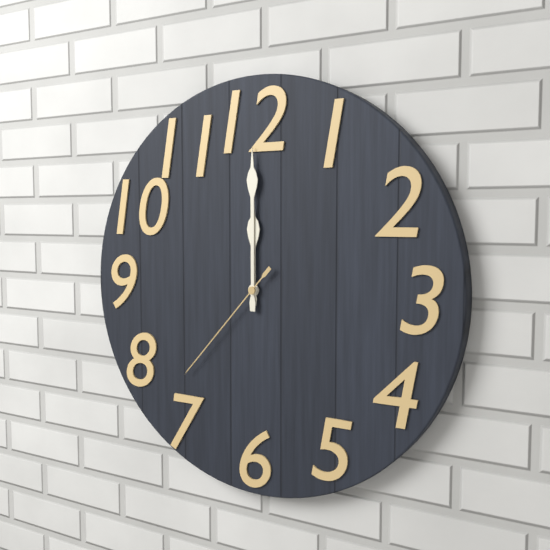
12:00:37
